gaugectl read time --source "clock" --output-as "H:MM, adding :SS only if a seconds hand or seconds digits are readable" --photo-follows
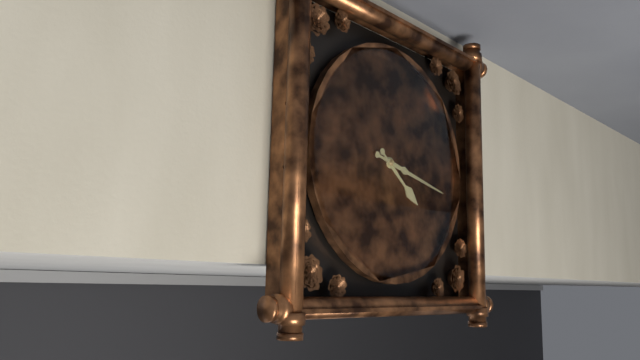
4:17
